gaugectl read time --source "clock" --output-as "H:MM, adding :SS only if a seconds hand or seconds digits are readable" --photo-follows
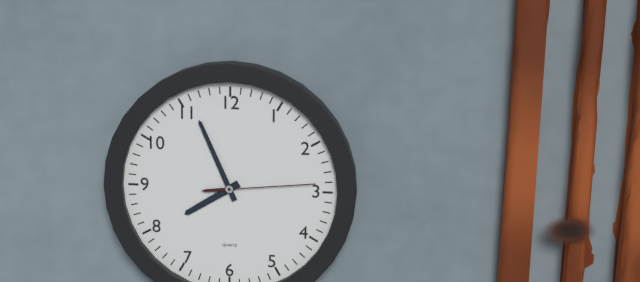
7:56:14
